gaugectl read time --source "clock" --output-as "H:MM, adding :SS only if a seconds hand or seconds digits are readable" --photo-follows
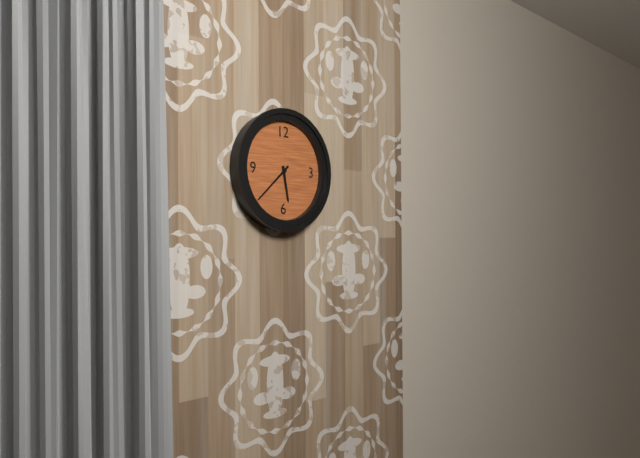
5:38
